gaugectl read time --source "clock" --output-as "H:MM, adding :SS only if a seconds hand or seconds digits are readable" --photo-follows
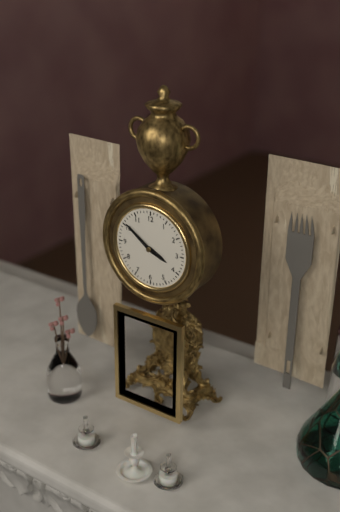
3:51
